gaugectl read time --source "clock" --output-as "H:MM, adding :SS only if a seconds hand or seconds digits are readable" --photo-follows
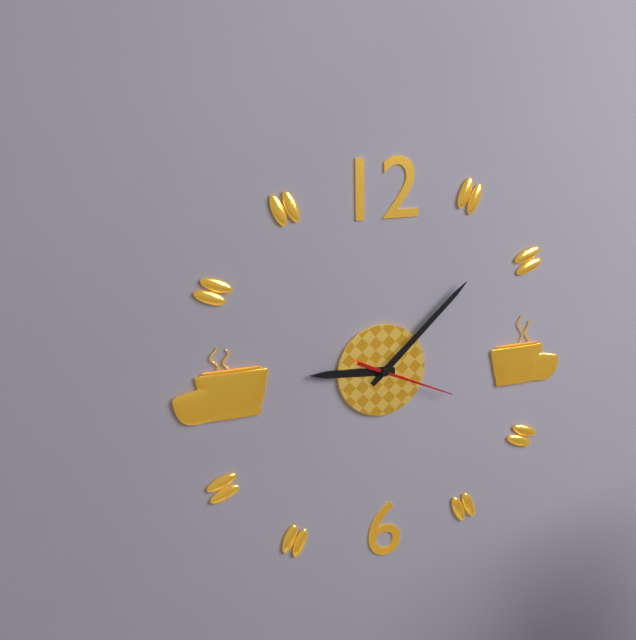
9:08:19
